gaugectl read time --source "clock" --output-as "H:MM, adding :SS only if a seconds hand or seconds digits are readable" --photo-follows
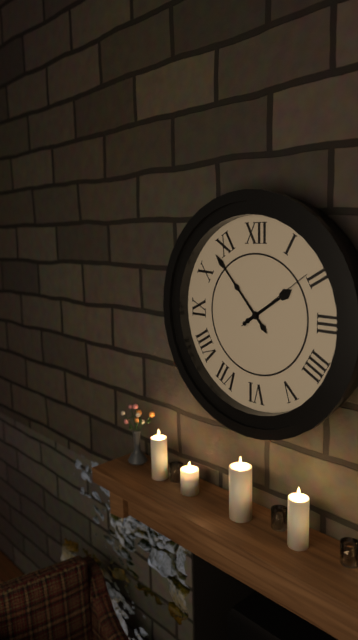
1:53:09
